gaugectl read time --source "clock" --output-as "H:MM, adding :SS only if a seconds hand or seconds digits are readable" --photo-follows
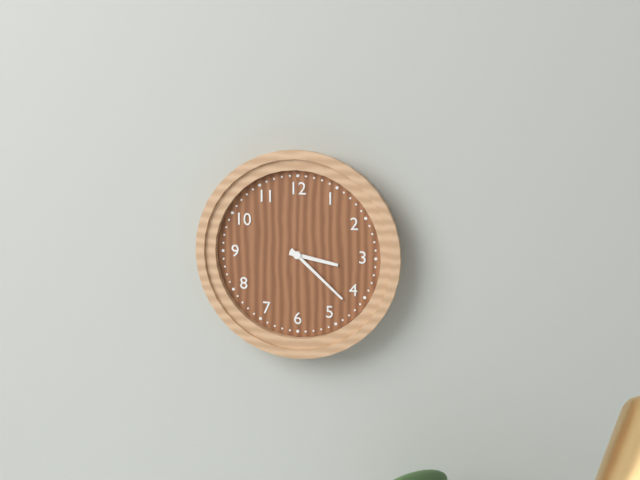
3:22
